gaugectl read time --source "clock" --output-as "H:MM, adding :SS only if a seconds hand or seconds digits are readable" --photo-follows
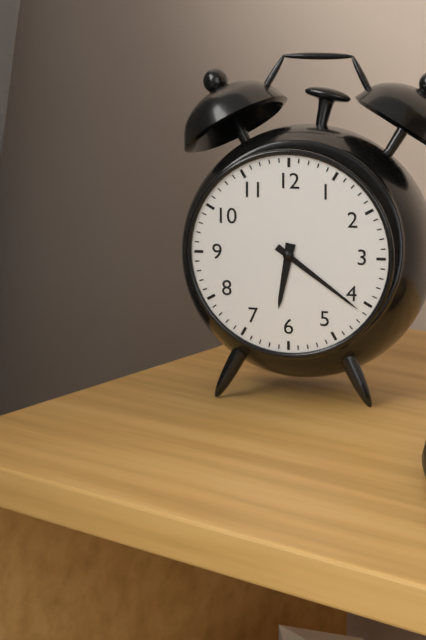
6:21
